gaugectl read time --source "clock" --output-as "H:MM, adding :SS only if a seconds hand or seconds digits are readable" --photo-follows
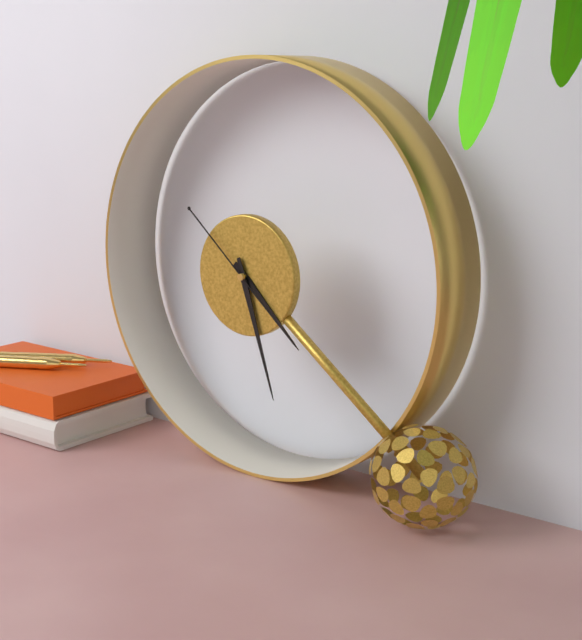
4:27:52
